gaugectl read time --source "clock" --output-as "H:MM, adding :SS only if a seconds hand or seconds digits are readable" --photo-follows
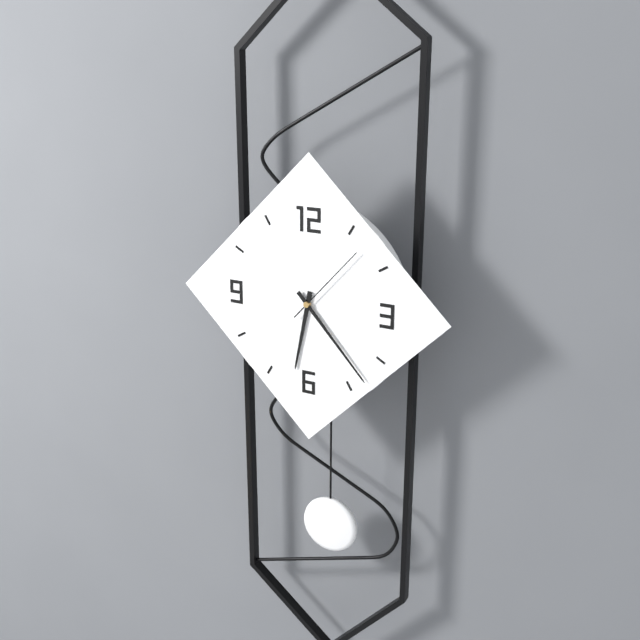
6:23:07
